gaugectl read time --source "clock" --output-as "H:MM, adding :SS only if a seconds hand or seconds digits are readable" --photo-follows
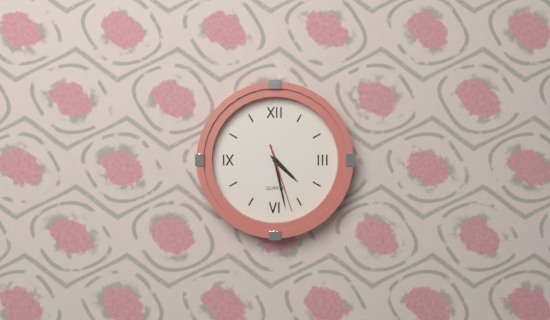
4:28:27
